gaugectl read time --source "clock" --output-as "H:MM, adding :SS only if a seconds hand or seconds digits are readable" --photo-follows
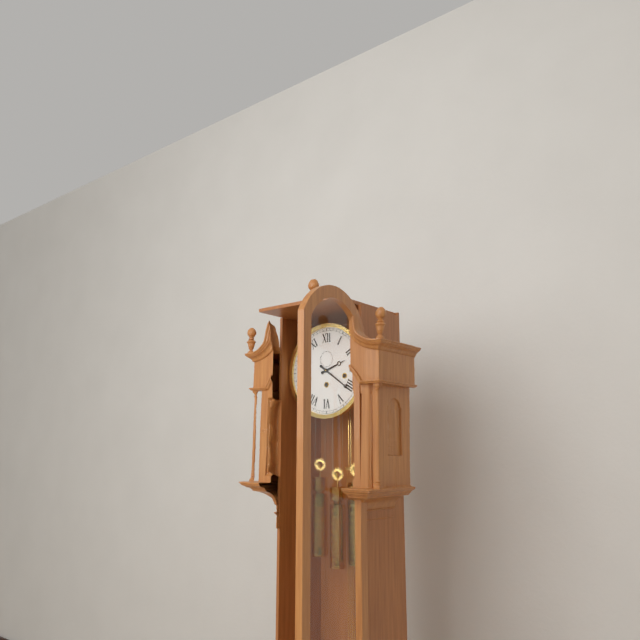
2:21
